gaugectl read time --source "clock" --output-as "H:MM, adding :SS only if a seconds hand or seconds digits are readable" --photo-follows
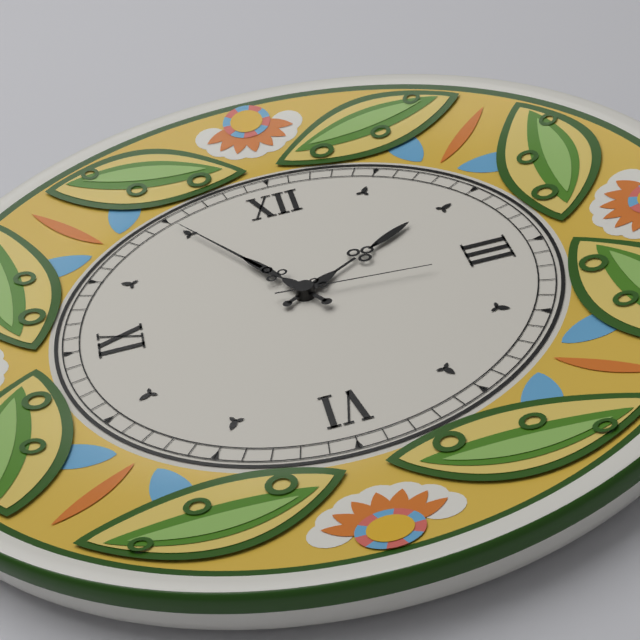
1:55:16
